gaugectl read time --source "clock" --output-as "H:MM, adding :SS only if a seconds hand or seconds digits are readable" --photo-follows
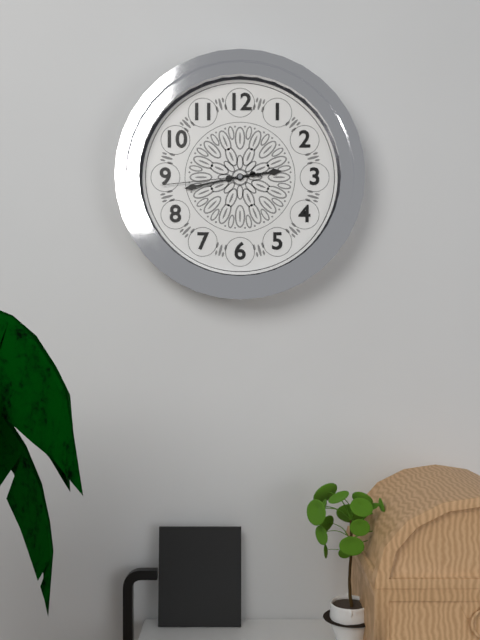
2:43:44
